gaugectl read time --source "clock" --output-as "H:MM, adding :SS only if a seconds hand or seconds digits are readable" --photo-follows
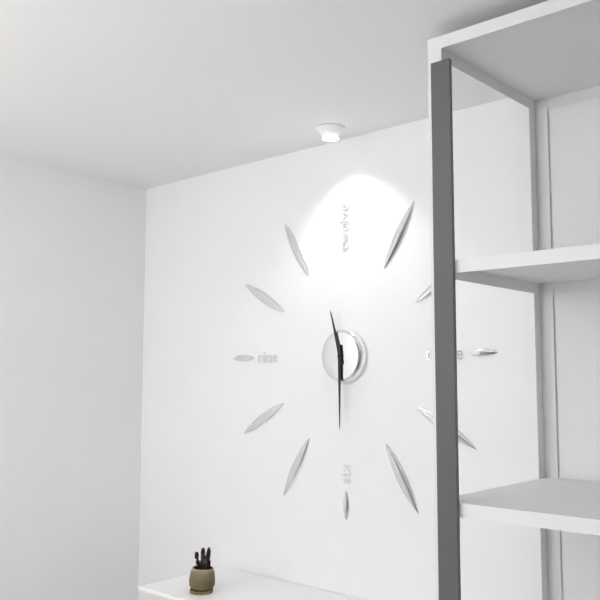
11:30
